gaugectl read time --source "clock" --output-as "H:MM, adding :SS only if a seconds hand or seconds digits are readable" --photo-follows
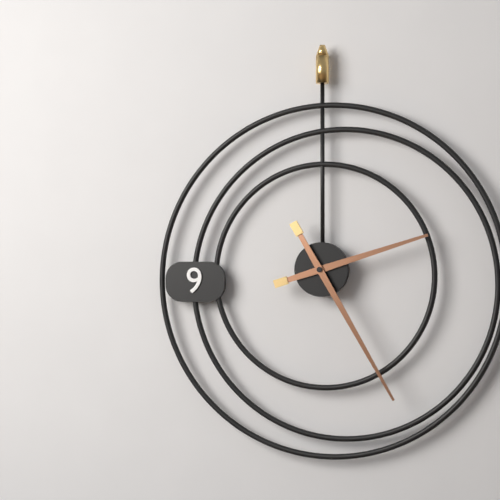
2:25
